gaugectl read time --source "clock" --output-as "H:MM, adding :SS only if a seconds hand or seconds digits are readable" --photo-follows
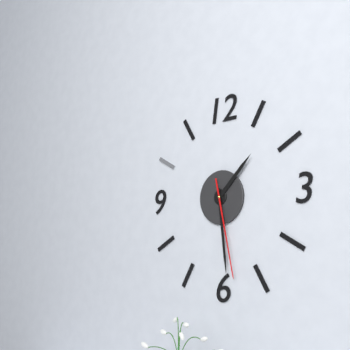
1:29:28
